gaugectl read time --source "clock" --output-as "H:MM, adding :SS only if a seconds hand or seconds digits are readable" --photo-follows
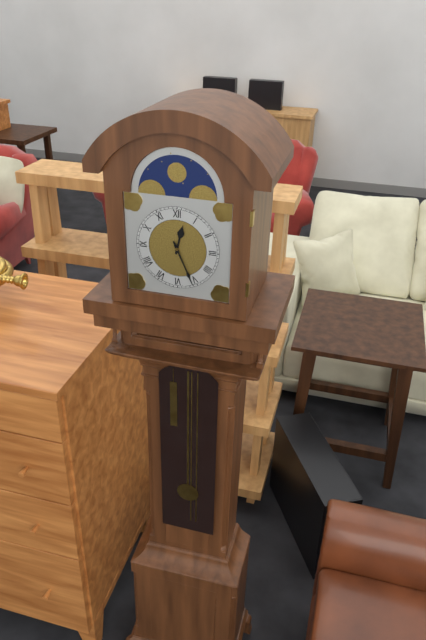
12:26
